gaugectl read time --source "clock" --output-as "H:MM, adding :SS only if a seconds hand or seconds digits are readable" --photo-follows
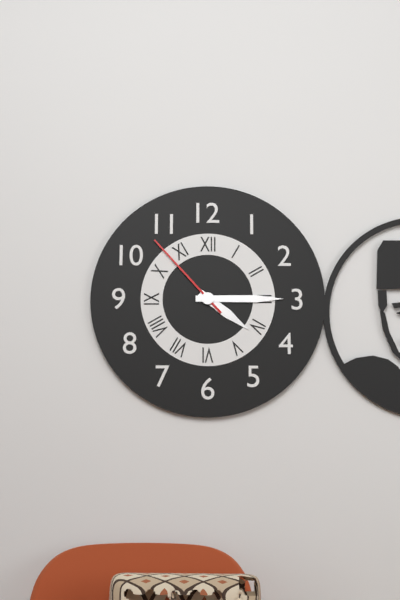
4:15:53
